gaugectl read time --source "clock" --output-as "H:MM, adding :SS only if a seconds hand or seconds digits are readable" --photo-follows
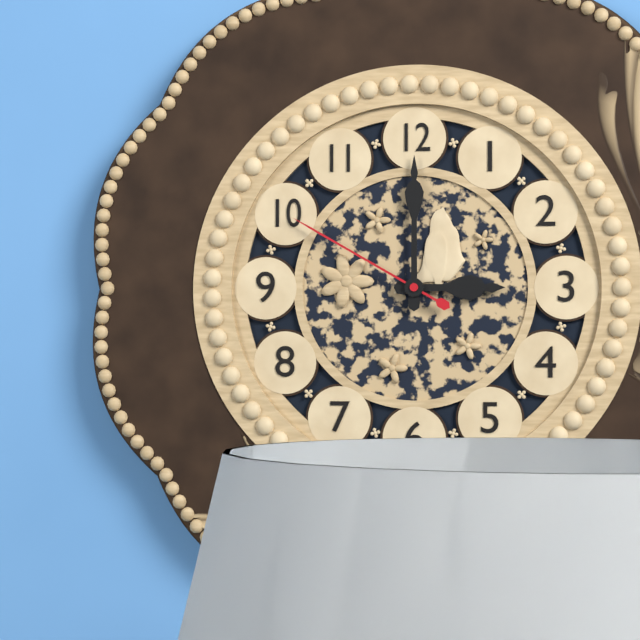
3:00:50
